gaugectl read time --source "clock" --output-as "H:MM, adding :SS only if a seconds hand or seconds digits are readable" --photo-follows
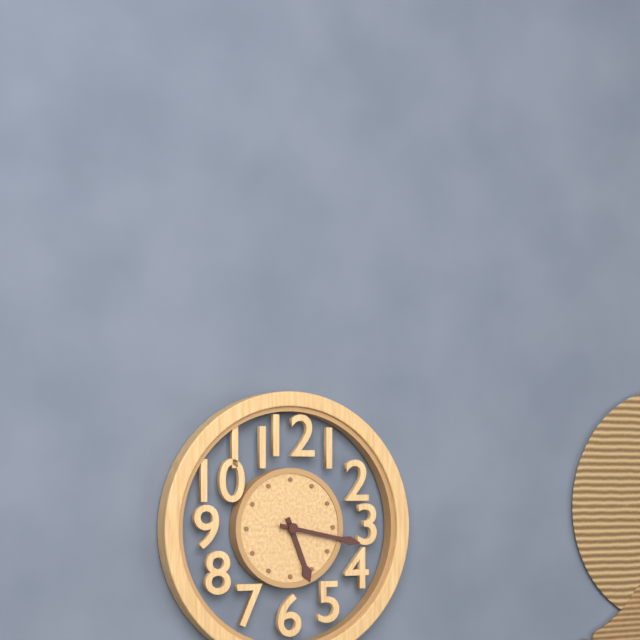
5:17
